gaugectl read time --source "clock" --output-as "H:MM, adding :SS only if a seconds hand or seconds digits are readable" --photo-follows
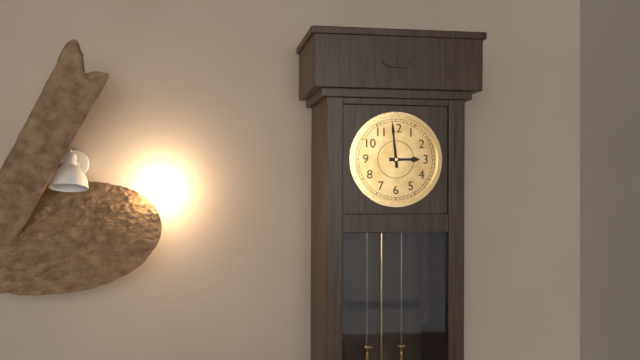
2:59
